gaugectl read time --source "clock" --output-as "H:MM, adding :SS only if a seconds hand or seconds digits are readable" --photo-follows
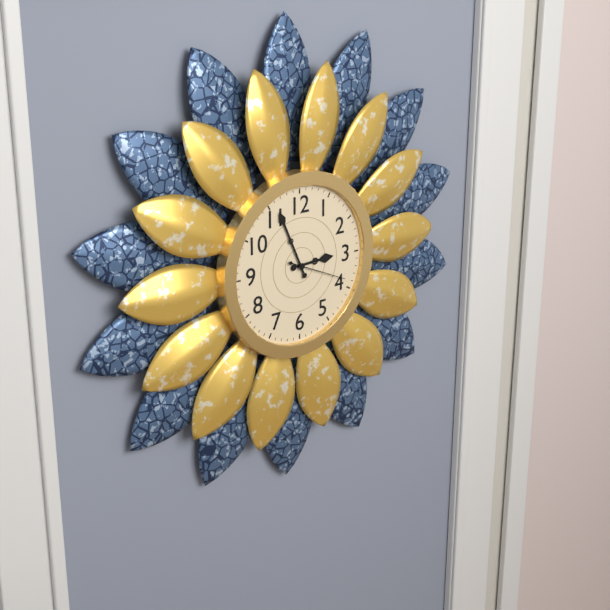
2:56:19
